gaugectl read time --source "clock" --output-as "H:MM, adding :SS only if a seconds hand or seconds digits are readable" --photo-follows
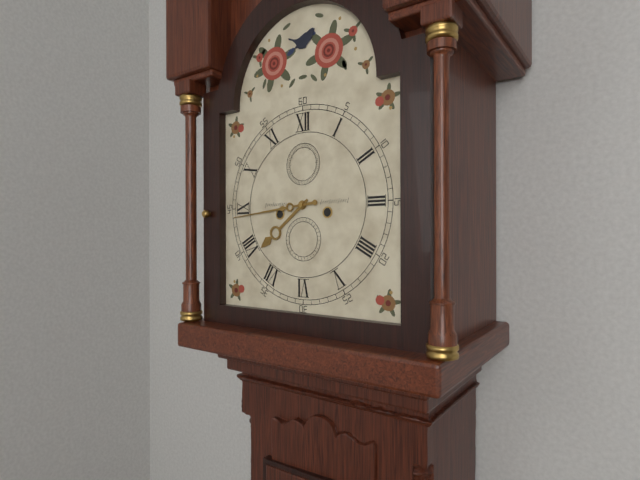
7:44
